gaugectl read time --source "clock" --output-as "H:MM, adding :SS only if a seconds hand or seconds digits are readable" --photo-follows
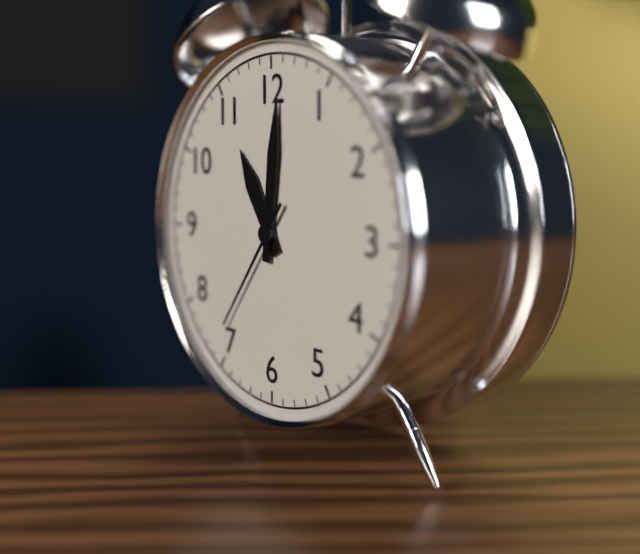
11:01:36
